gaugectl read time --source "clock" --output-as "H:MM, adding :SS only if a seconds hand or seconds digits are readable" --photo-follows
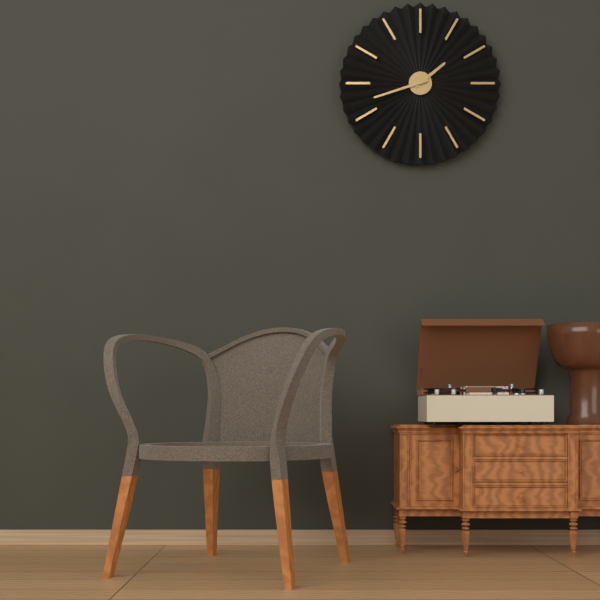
1:42
